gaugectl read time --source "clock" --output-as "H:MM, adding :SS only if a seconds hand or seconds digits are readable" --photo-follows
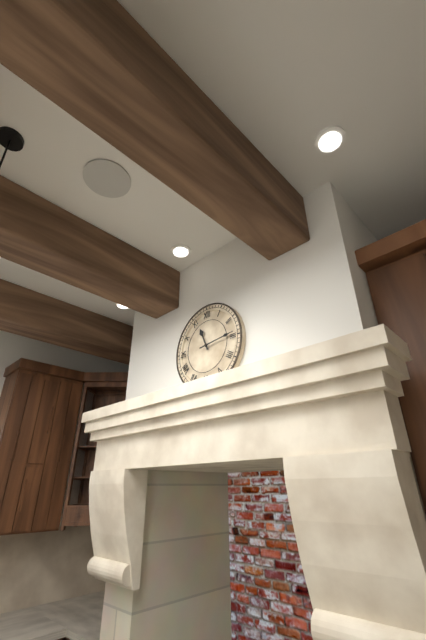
11:14
